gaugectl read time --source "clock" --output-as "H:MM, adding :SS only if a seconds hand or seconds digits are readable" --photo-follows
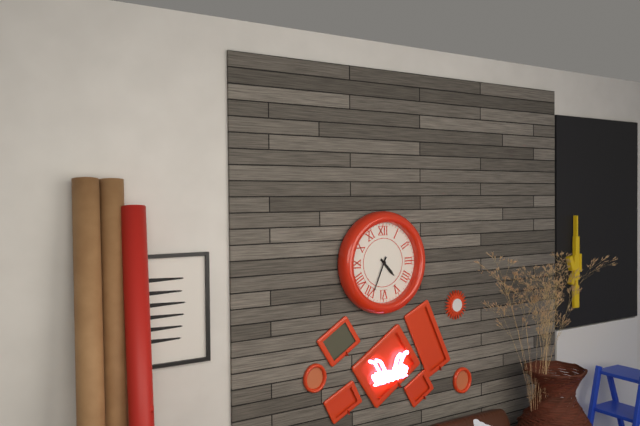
4:34
